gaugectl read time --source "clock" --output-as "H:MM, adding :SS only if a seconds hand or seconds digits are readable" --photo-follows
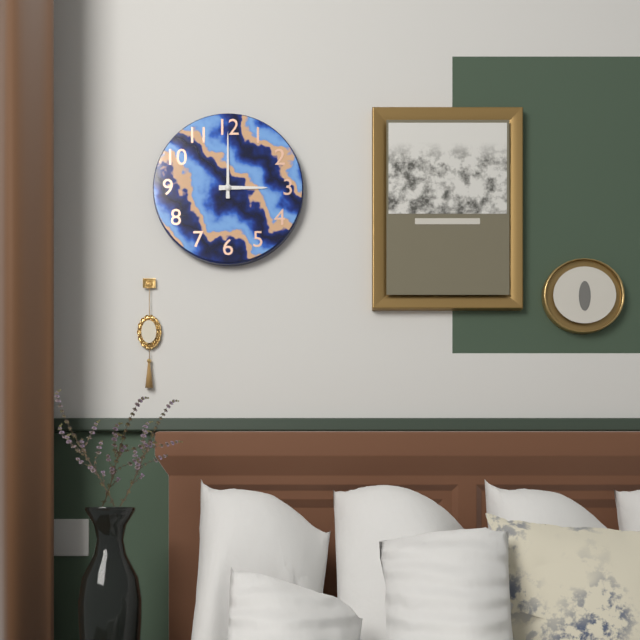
3:00
